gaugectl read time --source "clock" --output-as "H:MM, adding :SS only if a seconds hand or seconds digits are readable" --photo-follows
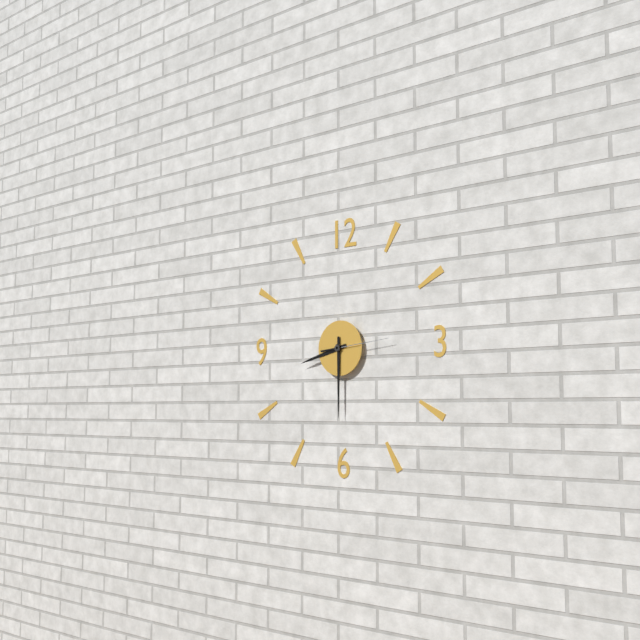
8:30:14
